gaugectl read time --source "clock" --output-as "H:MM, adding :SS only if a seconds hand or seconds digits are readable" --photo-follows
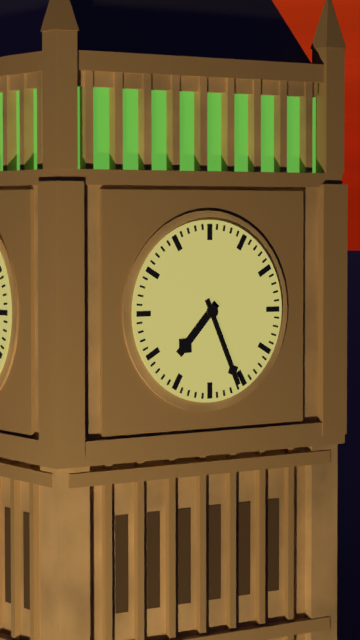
7:26
